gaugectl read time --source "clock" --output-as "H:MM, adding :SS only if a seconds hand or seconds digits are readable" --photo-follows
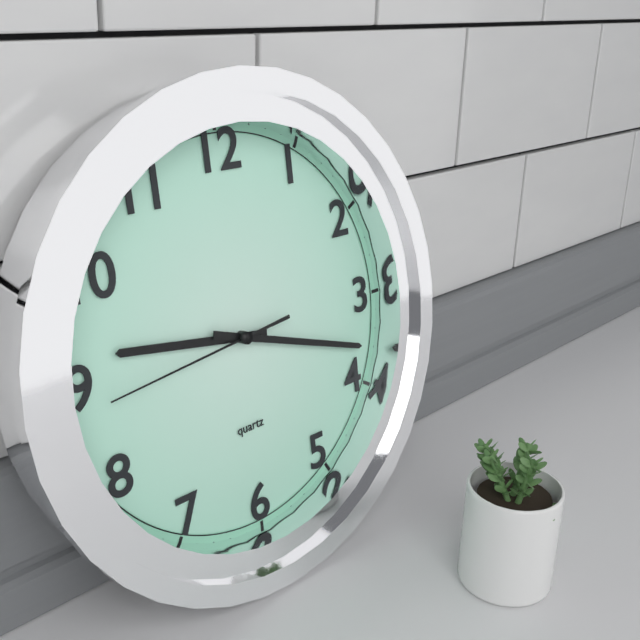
9:18:44
